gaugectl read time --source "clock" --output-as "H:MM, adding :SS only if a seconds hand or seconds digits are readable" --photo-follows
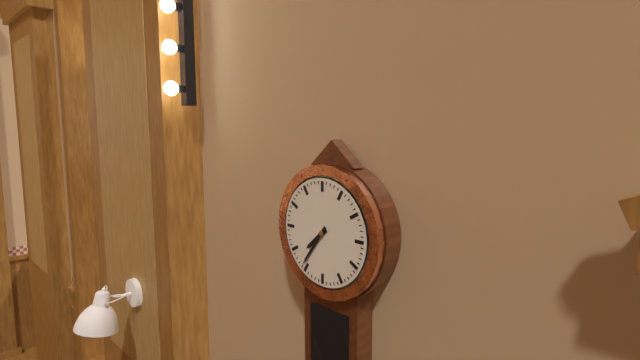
7:36
